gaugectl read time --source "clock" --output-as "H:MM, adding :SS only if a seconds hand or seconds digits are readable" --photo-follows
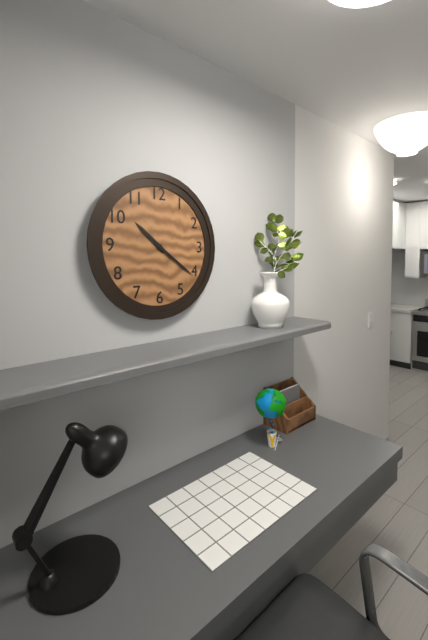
10:21
